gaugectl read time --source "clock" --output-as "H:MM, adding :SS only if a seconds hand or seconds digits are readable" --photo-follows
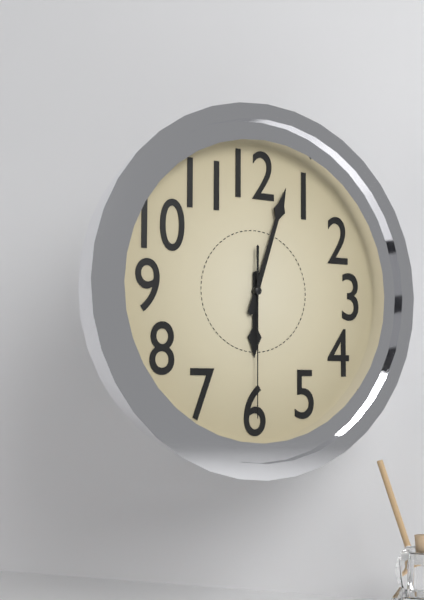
6:03:30
